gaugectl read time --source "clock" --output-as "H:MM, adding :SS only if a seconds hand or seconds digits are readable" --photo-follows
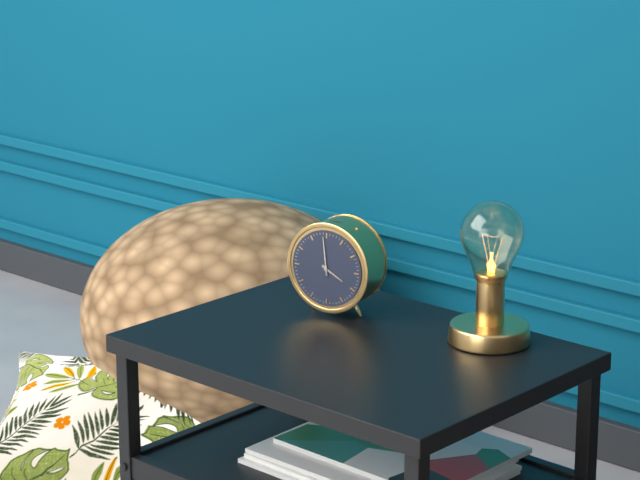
3:59
